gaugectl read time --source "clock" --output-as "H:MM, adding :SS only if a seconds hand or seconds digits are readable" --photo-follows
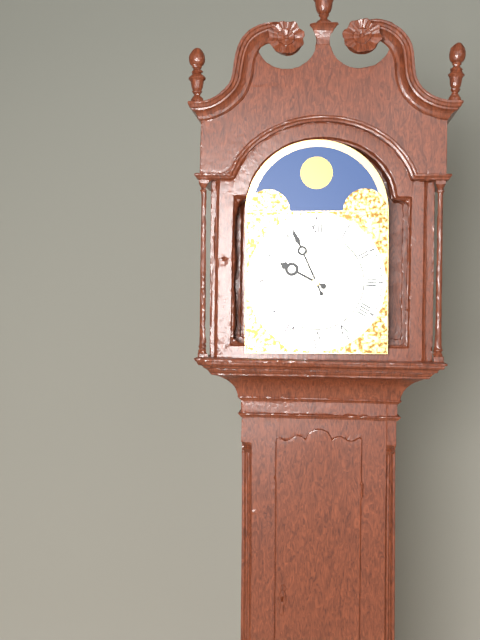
9:56
